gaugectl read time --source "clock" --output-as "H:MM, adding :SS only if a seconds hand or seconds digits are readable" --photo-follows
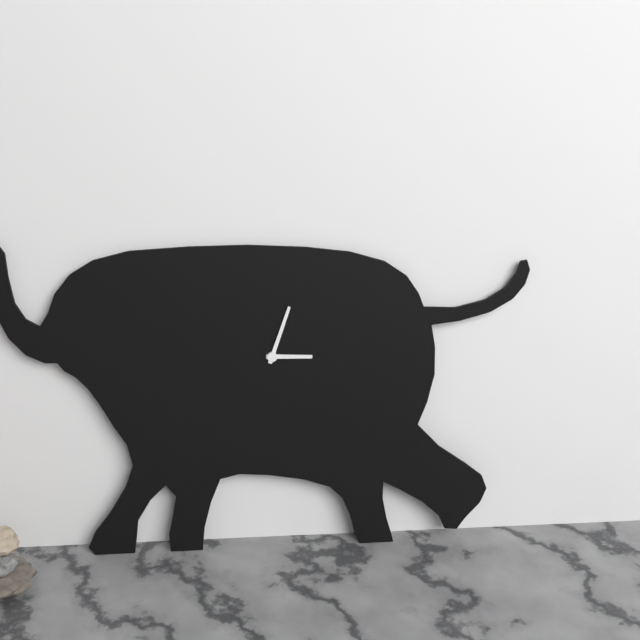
3:03
